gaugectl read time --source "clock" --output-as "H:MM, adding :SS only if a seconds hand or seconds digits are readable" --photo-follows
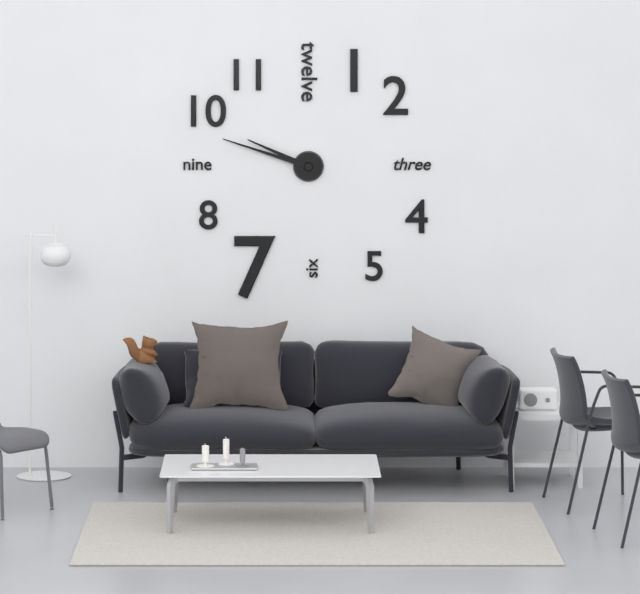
9:48
